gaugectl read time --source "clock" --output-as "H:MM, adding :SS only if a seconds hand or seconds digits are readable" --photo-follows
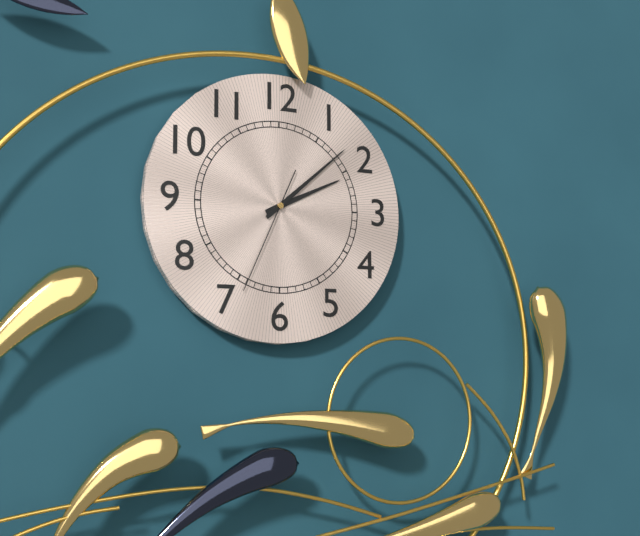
2:08:34
